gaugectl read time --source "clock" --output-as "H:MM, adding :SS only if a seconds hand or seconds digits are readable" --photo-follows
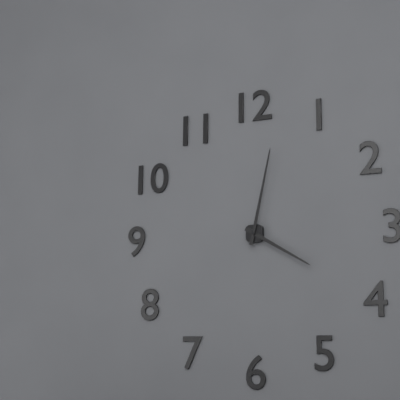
4:02
